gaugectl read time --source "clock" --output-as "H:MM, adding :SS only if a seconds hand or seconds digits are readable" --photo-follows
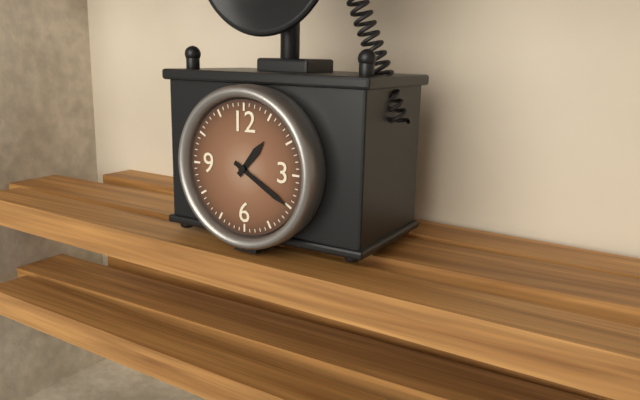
1:20
